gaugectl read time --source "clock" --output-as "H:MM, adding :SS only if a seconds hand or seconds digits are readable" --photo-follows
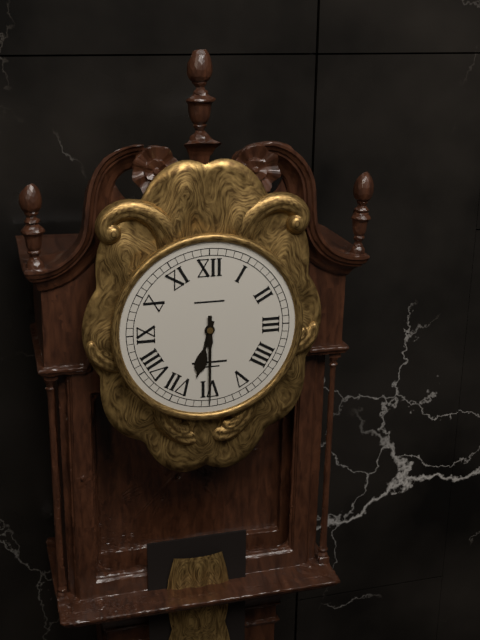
6:30
